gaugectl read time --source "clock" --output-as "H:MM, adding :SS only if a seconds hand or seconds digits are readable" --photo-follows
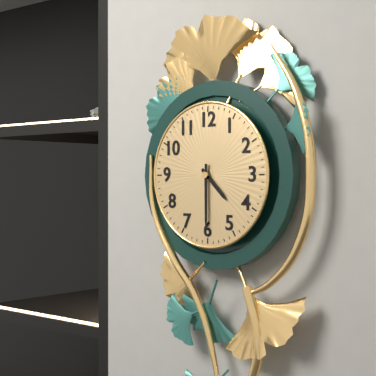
4:30
